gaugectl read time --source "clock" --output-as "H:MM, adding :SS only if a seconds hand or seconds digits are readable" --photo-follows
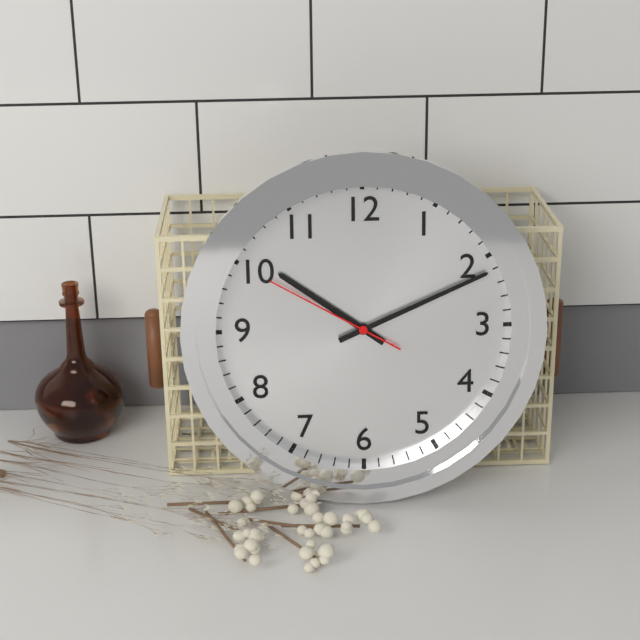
10:11:50
